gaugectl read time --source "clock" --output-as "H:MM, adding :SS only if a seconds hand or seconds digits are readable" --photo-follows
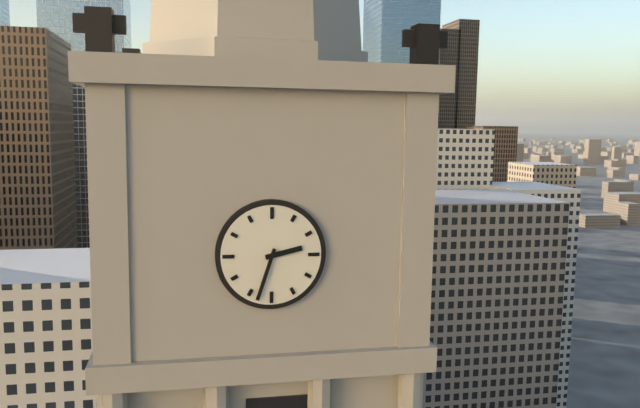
2:33
